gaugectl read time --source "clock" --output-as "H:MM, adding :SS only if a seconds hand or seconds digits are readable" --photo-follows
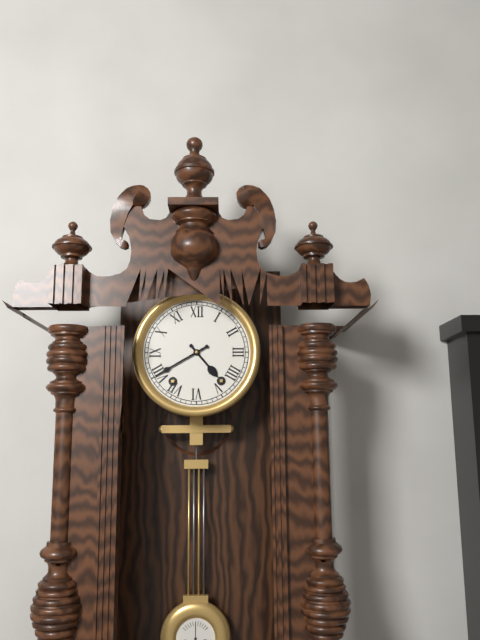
4:40
